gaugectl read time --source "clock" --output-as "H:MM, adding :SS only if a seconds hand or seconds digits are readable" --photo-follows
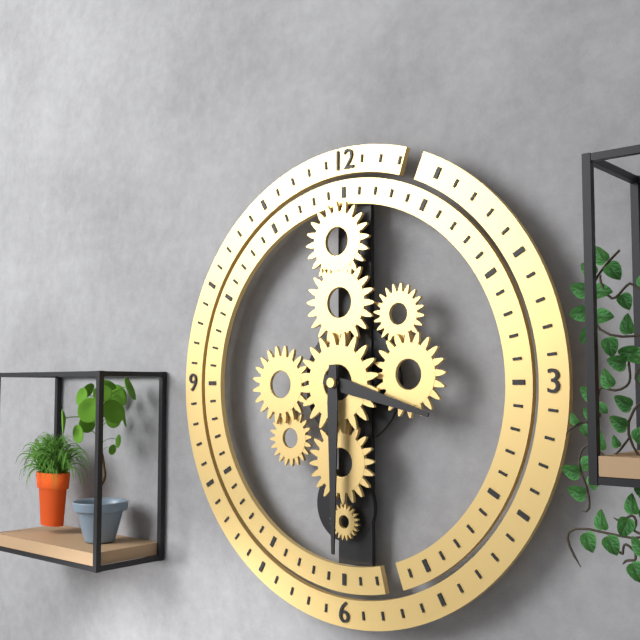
3:30
